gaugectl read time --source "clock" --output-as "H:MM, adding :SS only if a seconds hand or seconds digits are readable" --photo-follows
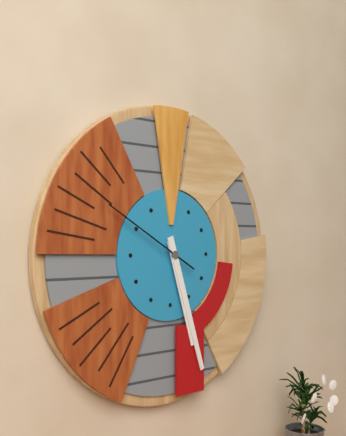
5:27:50
